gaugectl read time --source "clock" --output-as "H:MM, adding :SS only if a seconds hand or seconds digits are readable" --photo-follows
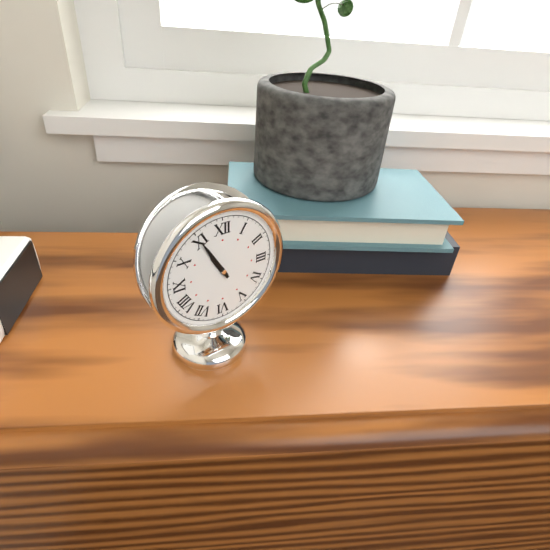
10:55
